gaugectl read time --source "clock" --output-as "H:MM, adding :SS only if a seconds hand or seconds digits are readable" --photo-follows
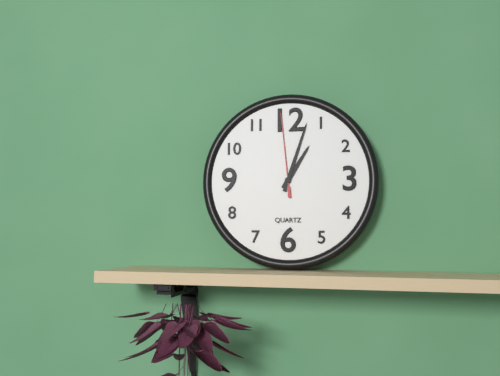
1:03:59
